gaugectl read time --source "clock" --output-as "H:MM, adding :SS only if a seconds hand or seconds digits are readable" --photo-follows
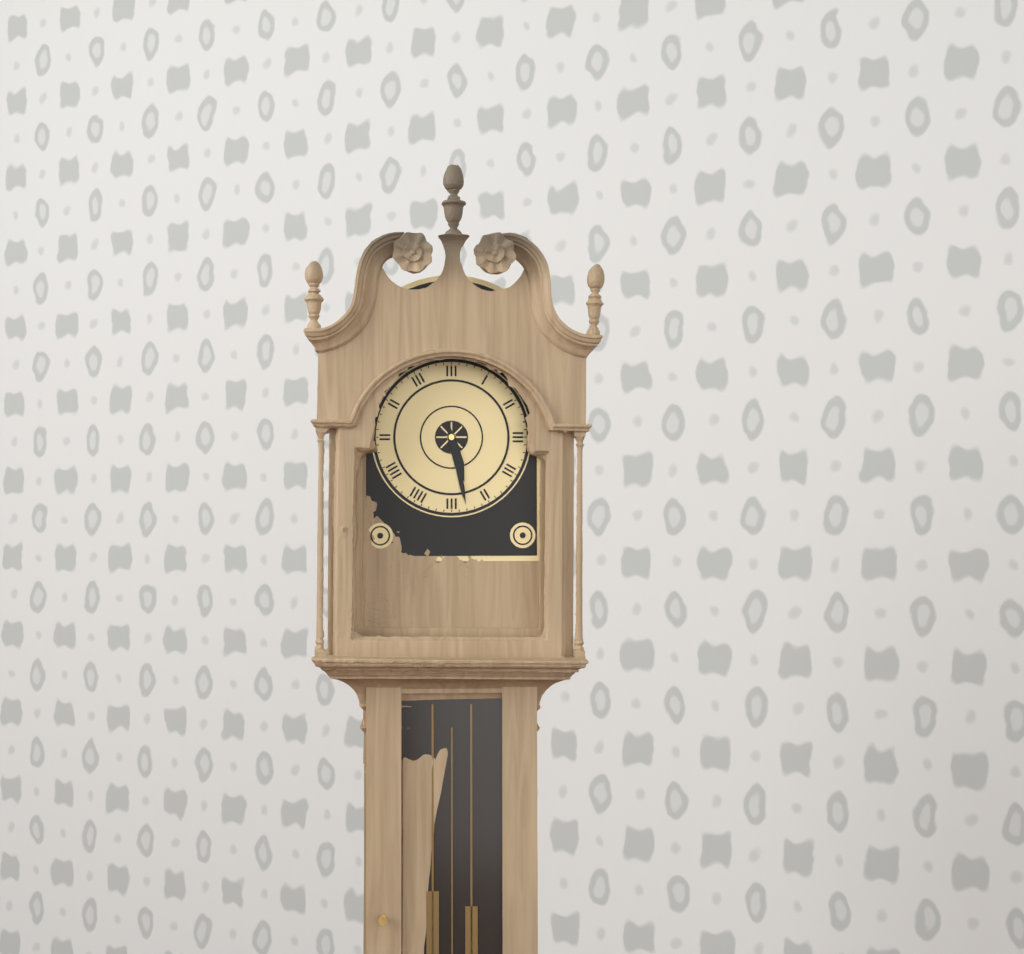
5:28
